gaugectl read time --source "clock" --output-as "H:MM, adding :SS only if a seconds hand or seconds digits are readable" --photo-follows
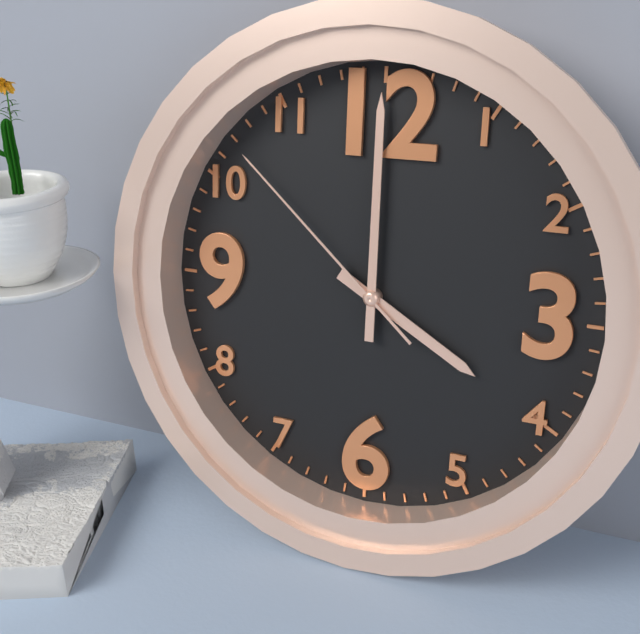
4:00:52
